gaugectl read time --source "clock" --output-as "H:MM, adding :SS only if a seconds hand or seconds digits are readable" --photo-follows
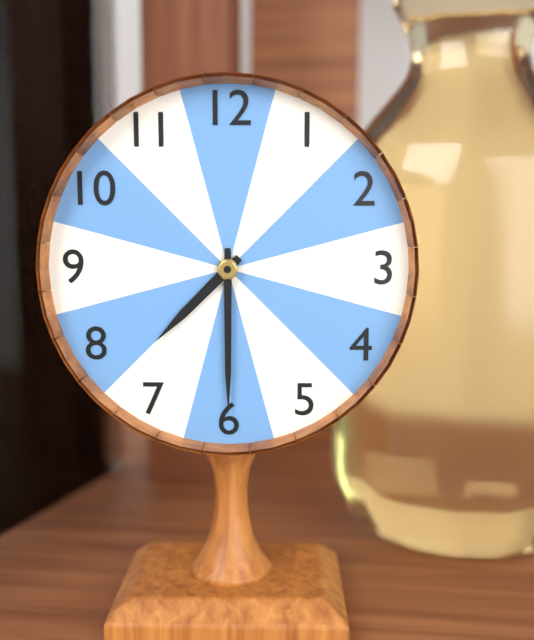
7:30
